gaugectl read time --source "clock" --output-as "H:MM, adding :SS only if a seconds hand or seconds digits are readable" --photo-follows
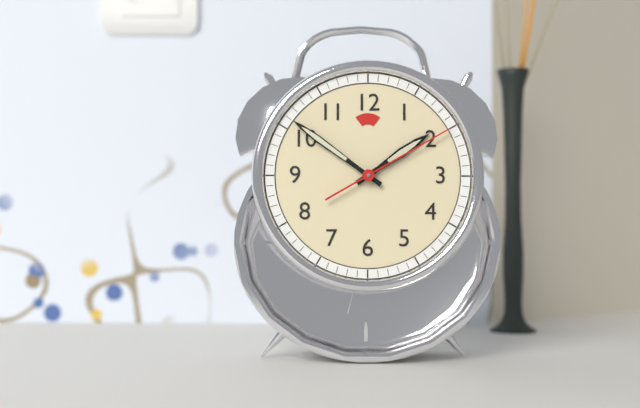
1:51:10
